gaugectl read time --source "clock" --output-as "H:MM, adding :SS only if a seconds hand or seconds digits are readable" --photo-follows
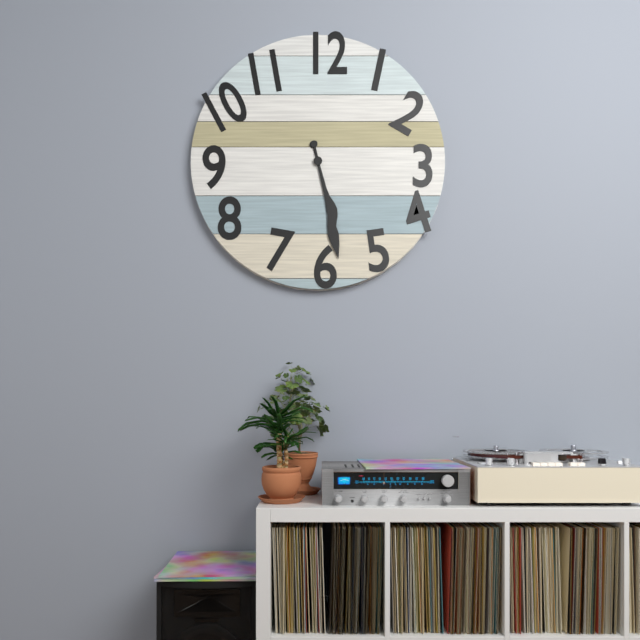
5:28
